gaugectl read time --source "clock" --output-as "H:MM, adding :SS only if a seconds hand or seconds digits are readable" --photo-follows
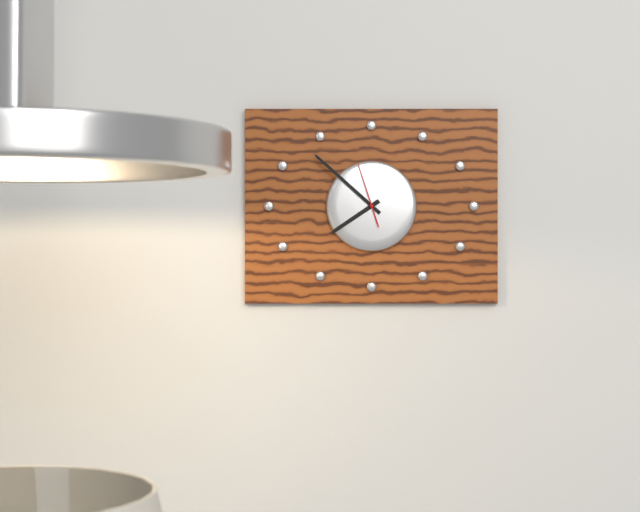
7:52:57
